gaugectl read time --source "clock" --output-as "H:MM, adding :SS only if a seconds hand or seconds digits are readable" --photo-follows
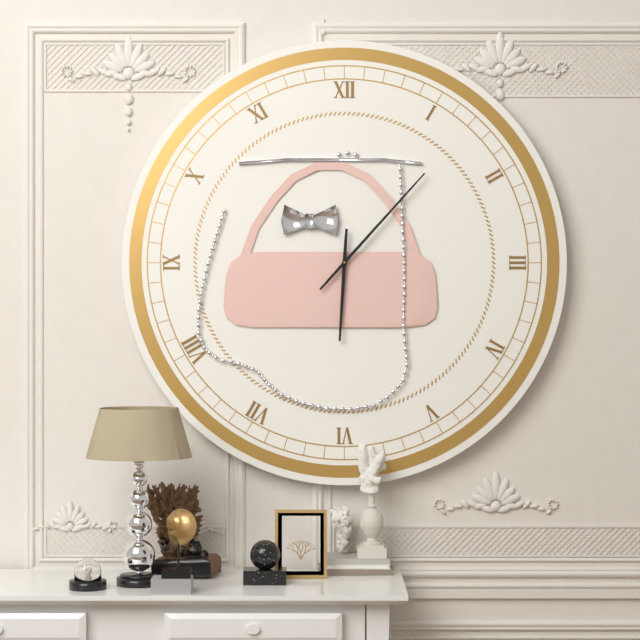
6:07
